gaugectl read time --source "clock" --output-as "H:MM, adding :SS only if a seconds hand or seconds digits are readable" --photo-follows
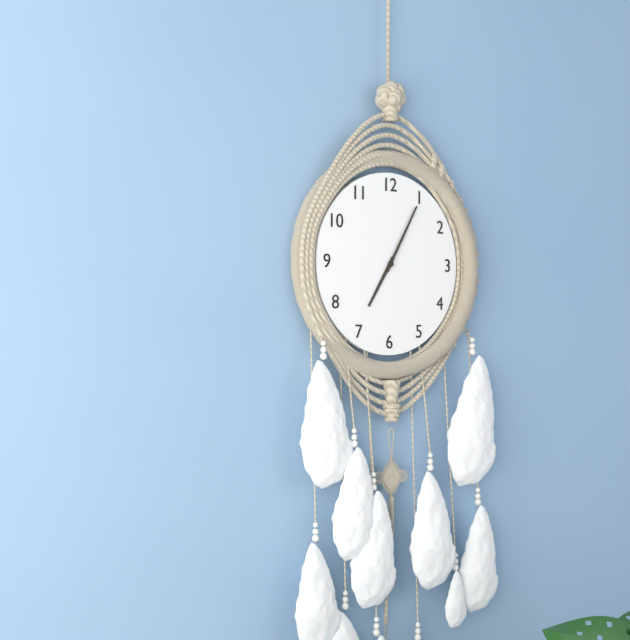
7:05
